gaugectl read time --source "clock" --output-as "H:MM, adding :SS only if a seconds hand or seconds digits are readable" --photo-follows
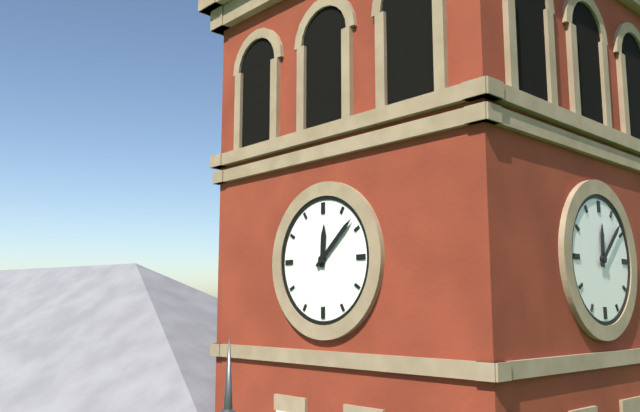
12:08
